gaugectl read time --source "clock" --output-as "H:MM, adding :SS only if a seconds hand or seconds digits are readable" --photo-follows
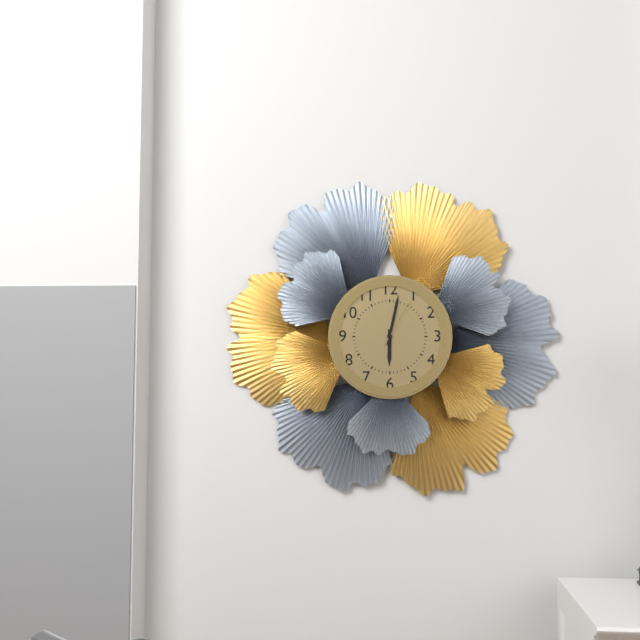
6:02:05
